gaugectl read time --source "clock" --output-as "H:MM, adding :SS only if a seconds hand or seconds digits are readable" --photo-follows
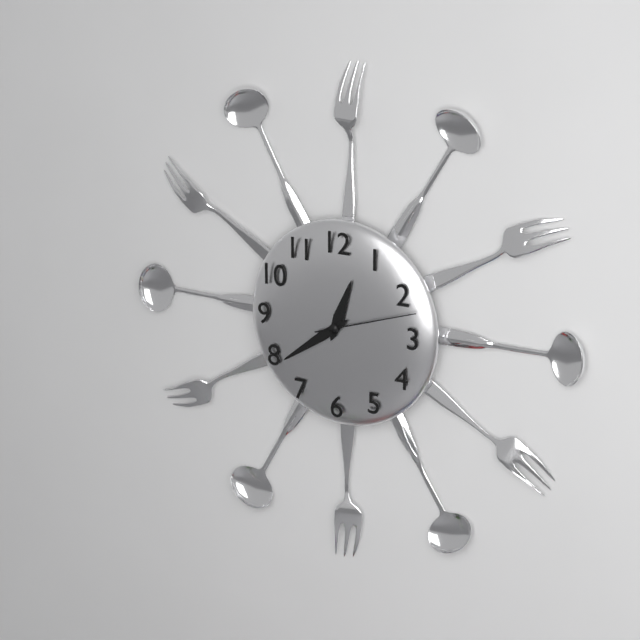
12:39:12
